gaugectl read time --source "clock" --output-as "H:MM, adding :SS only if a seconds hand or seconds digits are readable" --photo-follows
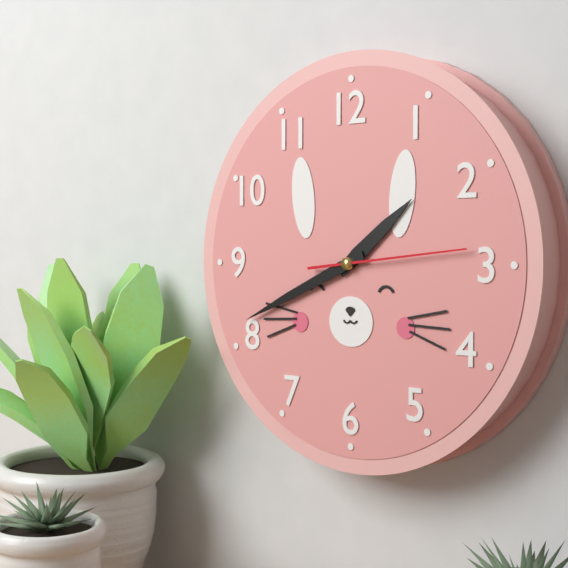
1:41:14
